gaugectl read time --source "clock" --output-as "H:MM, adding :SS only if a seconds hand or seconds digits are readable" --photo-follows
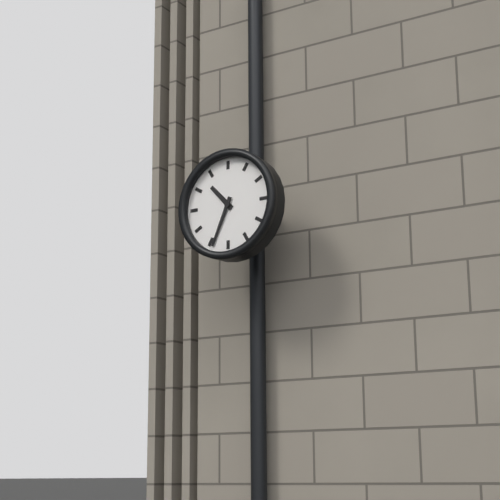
10:34
